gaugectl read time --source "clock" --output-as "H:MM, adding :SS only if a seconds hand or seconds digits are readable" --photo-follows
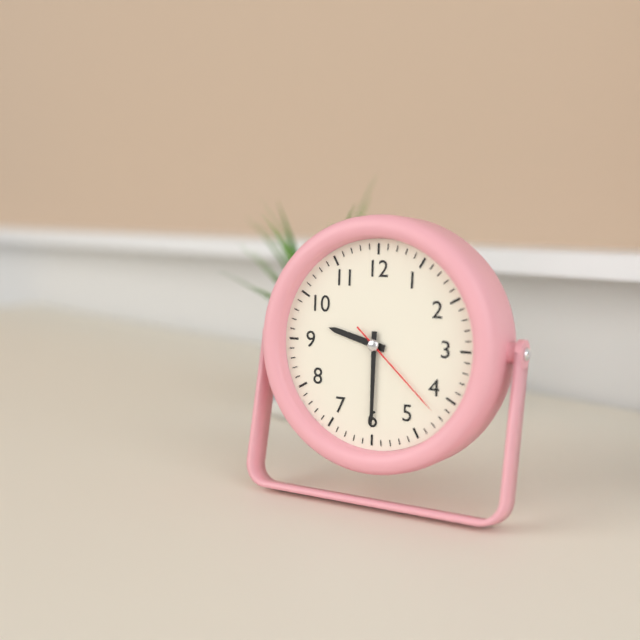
9:30:22
